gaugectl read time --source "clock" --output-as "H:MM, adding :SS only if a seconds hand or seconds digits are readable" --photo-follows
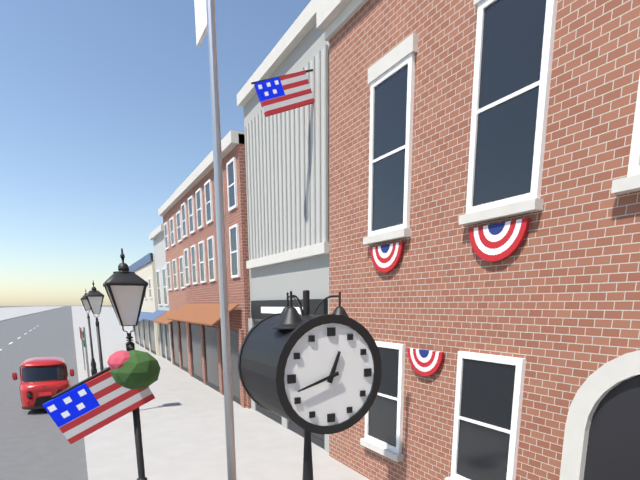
12:42
